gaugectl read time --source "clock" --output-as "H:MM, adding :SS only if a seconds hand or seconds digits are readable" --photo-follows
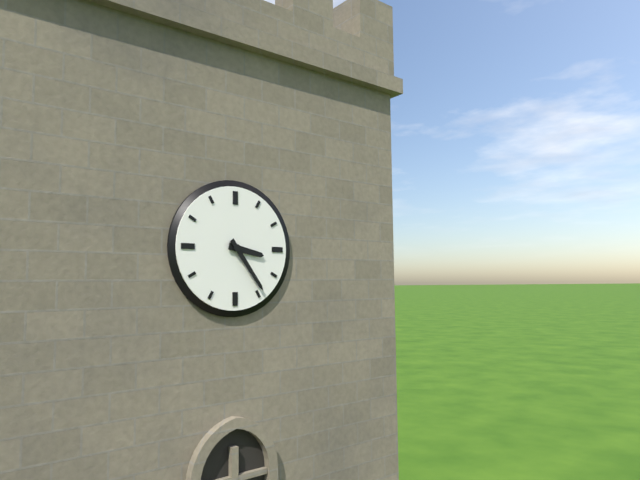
3:24
